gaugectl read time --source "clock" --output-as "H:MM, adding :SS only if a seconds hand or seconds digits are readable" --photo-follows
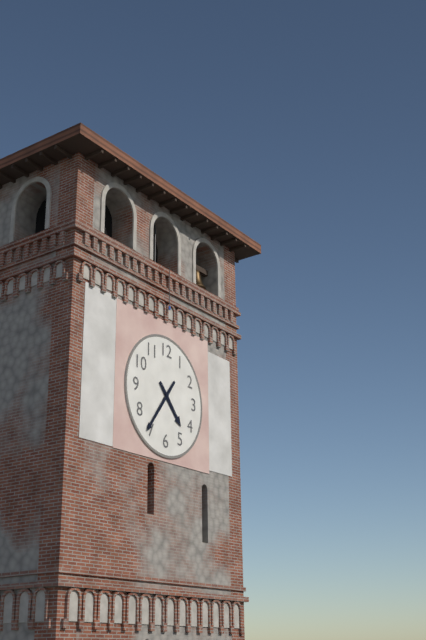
4:36
